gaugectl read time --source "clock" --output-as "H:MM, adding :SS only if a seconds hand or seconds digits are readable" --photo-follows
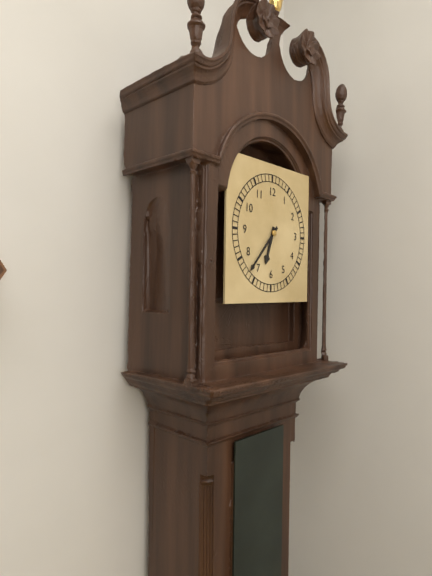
6:37
